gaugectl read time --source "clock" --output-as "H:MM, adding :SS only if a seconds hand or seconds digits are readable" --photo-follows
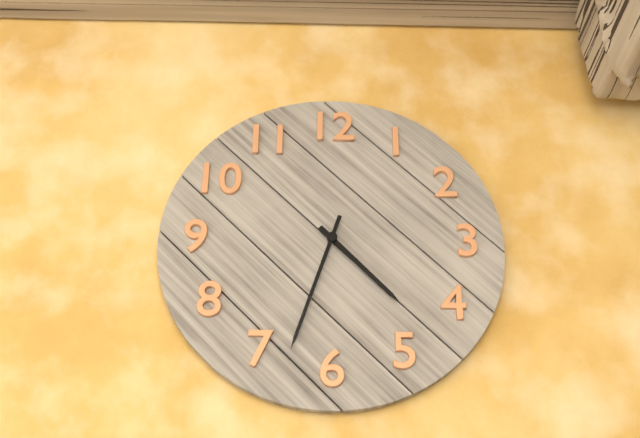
4:33
